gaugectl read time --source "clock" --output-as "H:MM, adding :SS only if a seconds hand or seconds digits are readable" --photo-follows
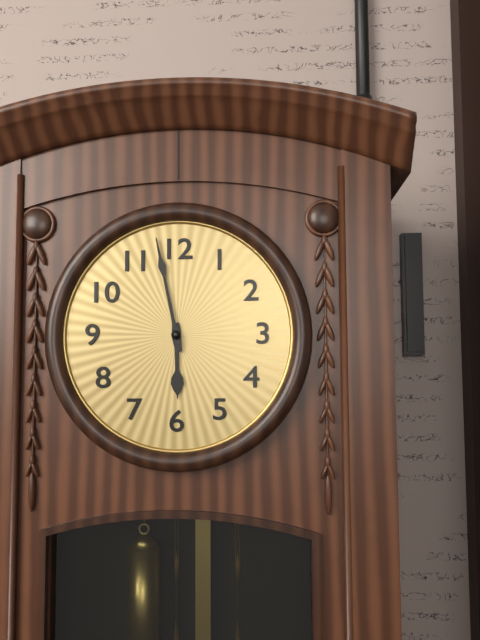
5:58
